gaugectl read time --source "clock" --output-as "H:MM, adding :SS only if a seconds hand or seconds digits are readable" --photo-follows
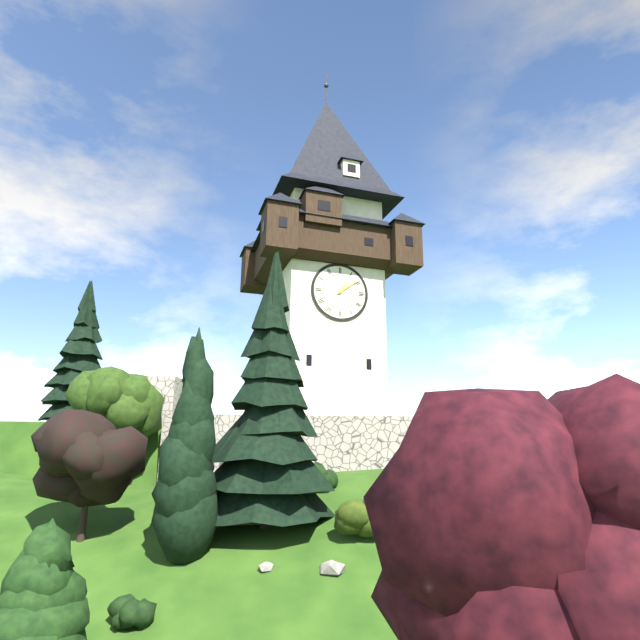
1:09
